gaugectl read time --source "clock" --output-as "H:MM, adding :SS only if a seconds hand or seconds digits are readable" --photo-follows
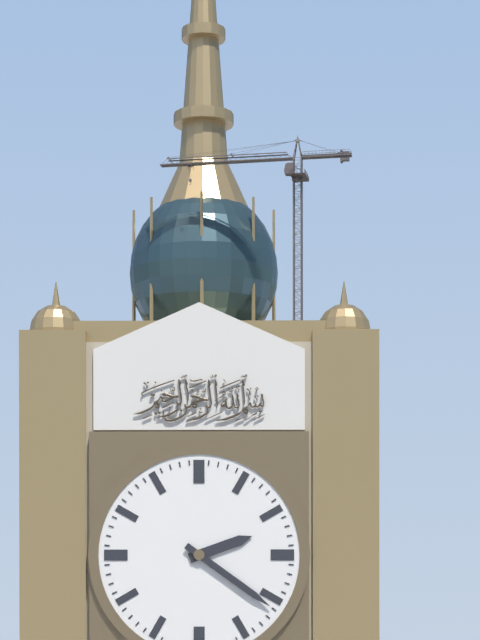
2:21
